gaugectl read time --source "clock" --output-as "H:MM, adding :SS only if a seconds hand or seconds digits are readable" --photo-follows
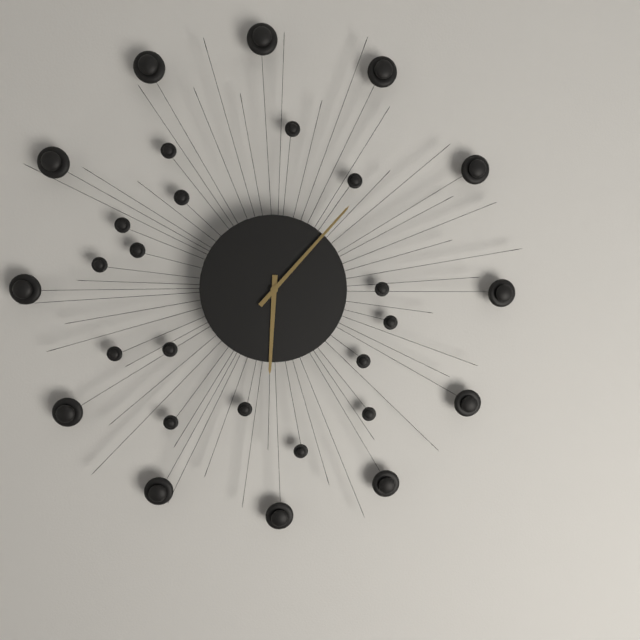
6:07
